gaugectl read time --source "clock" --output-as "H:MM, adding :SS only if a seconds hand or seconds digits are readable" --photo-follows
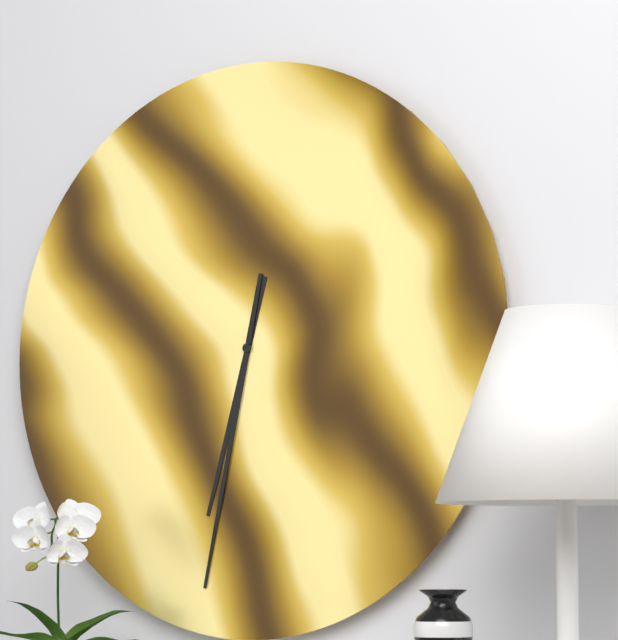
6:32
